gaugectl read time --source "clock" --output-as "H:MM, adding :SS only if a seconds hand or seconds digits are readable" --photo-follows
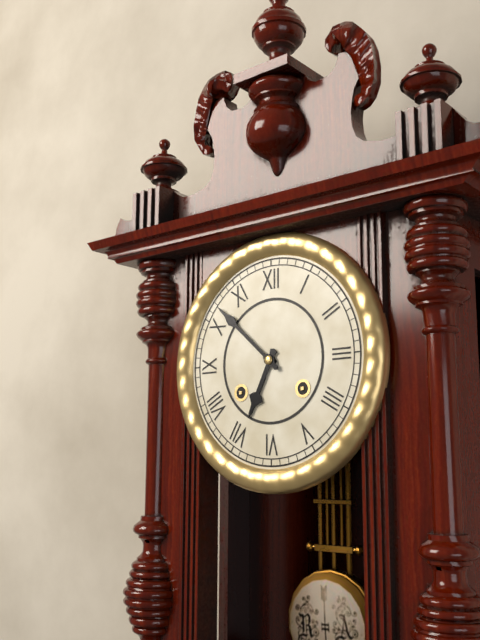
6:52
